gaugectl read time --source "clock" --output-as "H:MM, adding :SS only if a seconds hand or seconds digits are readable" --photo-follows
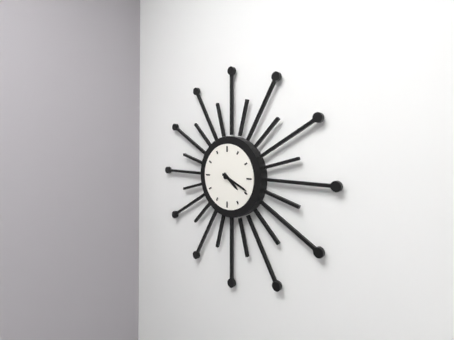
4:19
